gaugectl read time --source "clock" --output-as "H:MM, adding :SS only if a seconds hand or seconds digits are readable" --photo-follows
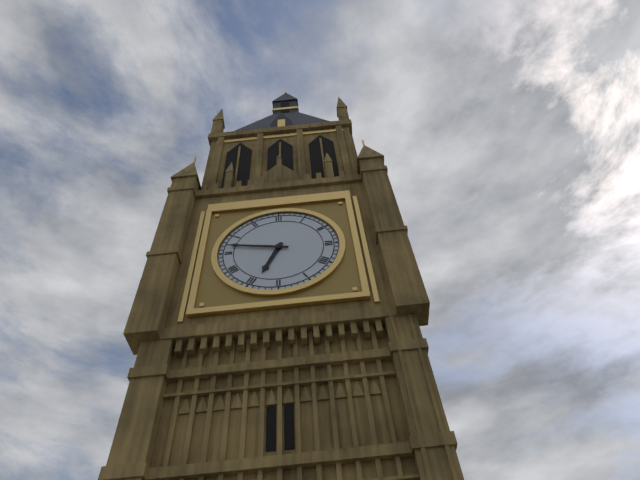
6:47
